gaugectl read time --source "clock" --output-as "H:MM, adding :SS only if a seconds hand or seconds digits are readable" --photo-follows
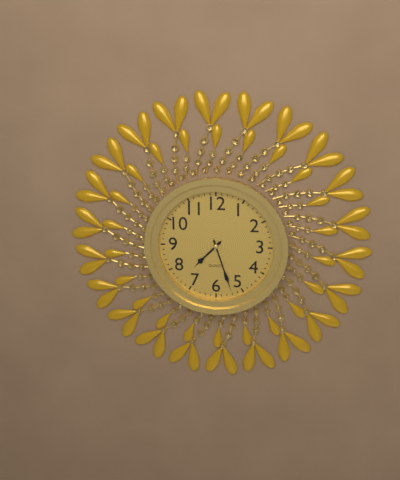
7:27
